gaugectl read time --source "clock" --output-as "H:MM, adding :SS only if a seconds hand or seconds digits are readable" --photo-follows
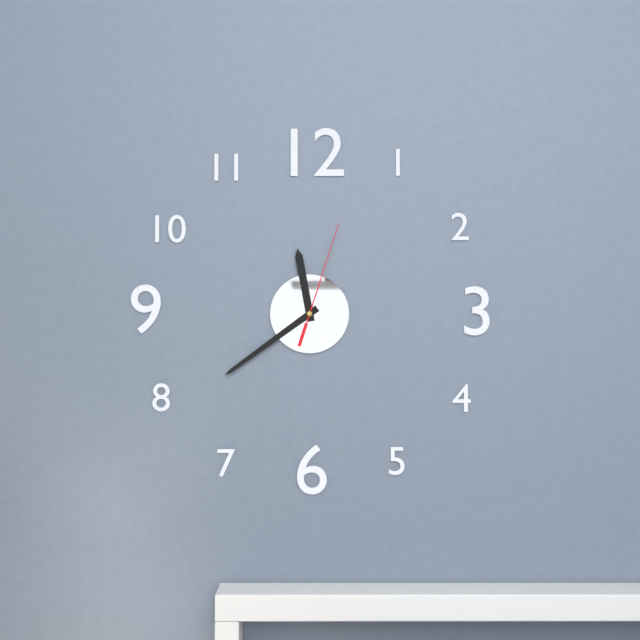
11:39:03
